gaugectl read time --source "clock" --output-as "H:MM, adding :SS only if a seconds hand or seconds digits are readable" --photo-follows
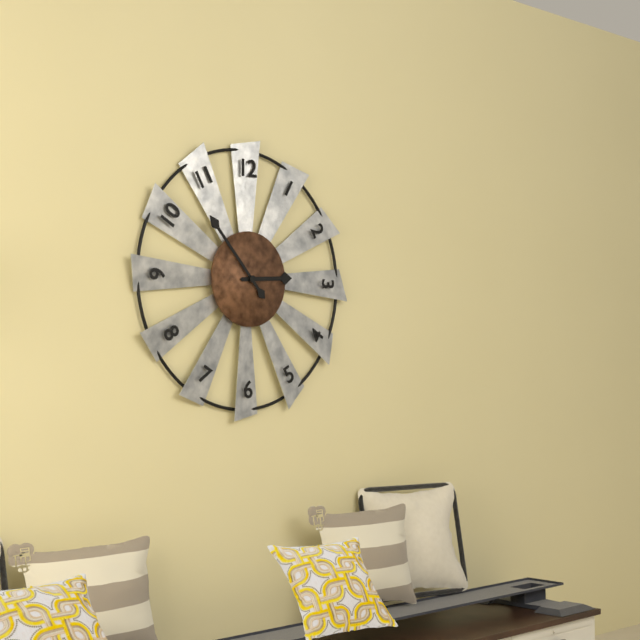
2:53
